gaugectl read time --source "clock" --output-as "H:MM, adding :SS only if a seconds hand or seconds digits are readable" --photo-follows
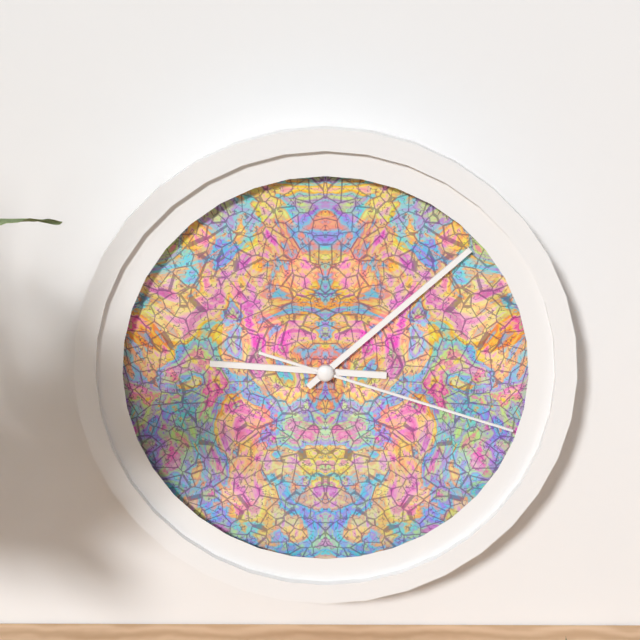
9:08:18
